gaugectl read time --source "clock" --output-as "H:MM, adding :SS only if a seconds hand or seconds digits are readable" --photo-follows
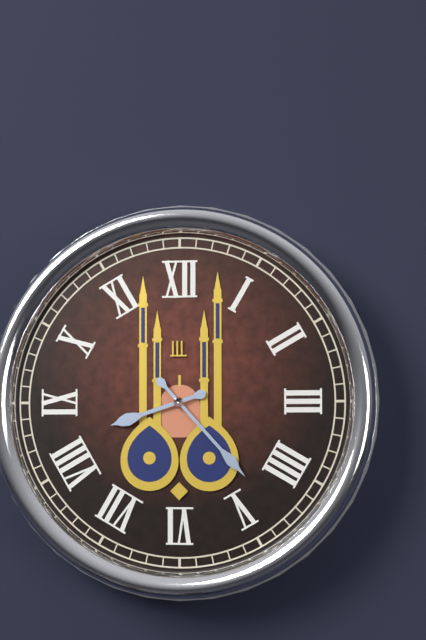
8:23
